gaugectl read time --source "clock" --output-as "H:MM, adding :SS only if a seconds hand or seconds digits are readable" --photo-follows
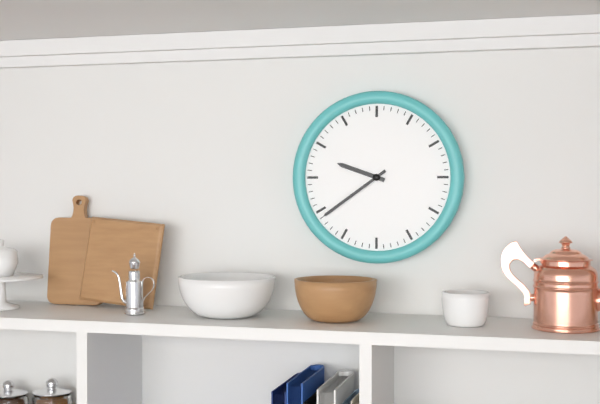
9:39
